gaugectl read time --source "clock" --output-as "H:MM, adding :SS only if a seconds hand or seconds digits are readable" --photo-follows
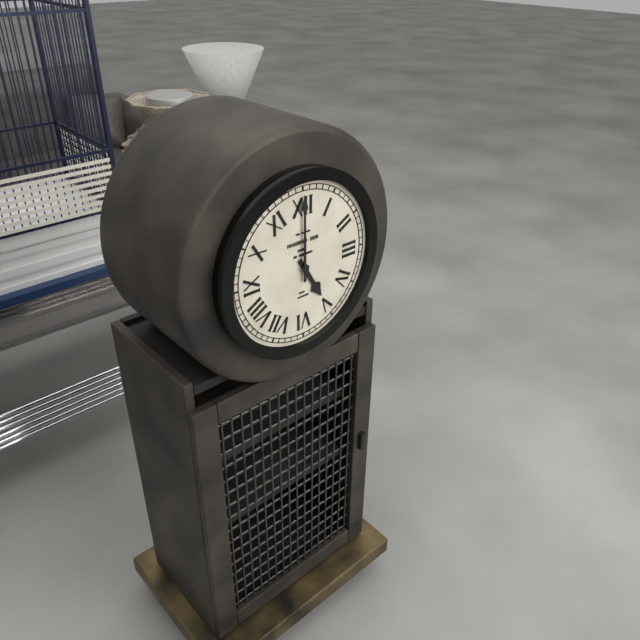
5:00
